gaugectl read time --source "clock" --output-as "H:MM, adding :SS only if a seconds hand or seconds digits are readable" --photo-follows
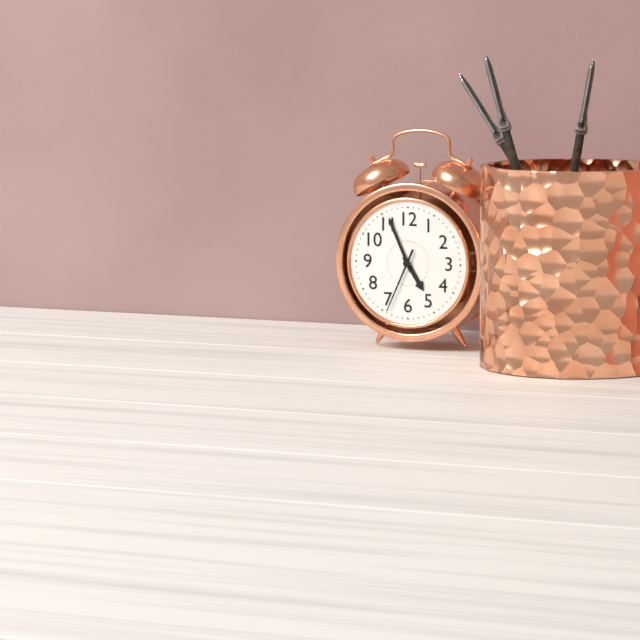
4:56:34
